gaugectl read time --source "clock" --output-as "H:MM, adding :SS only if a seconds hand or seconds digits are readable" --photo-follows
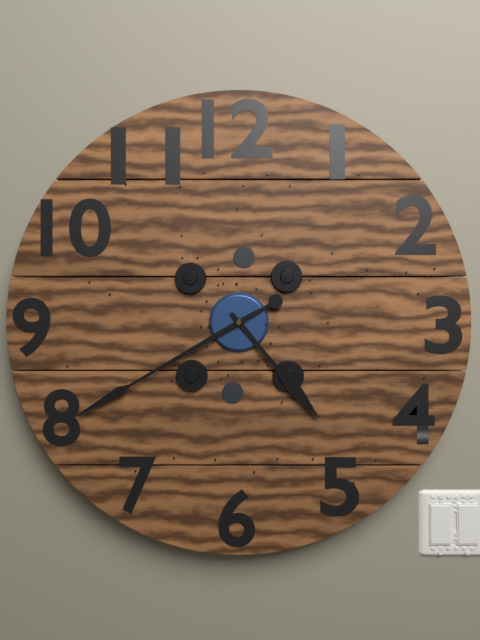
4:40
